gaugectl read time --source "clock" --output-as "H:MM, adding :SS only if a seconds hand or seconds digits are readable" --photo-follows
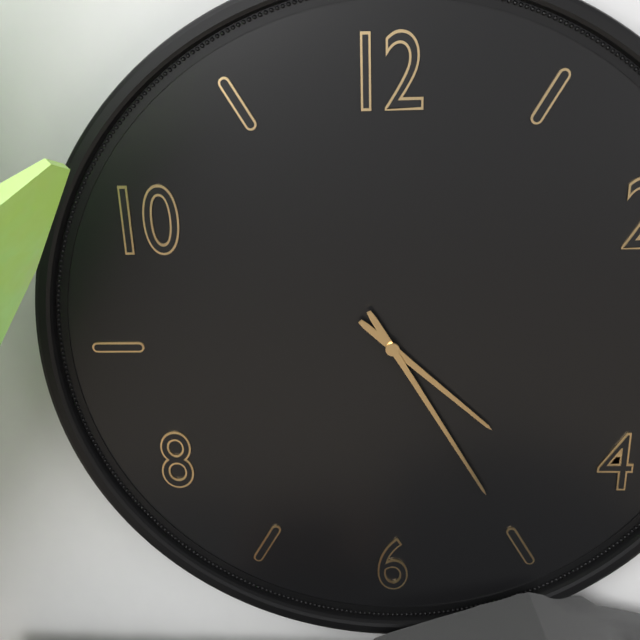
4:25
